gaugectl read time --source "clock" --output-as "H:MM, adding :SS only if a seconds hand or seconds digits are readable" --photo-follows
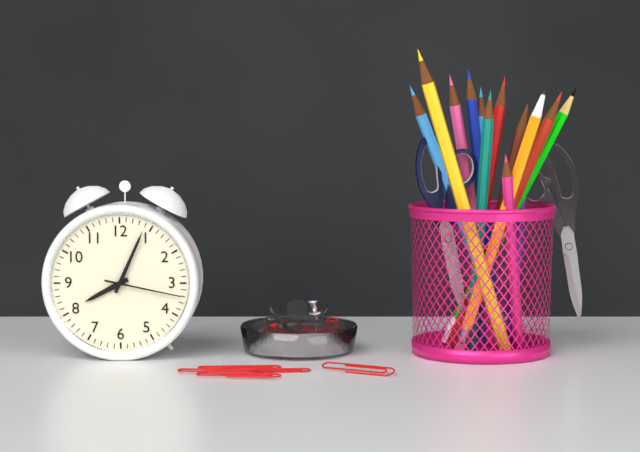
8:04:17
